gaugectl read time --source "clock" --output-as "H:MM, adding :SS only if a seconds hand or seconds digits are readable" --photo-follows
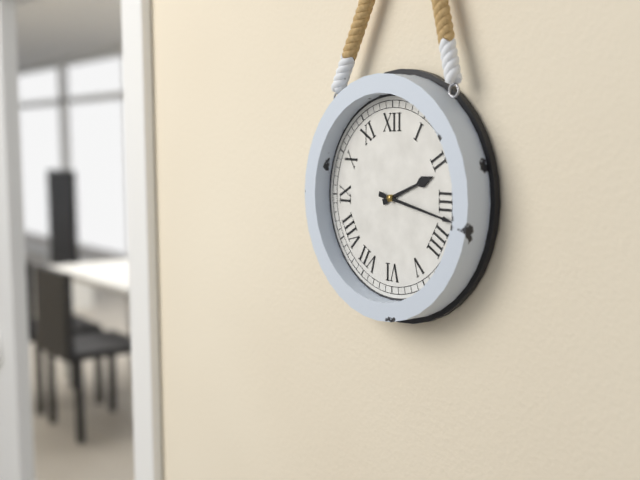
2:17
